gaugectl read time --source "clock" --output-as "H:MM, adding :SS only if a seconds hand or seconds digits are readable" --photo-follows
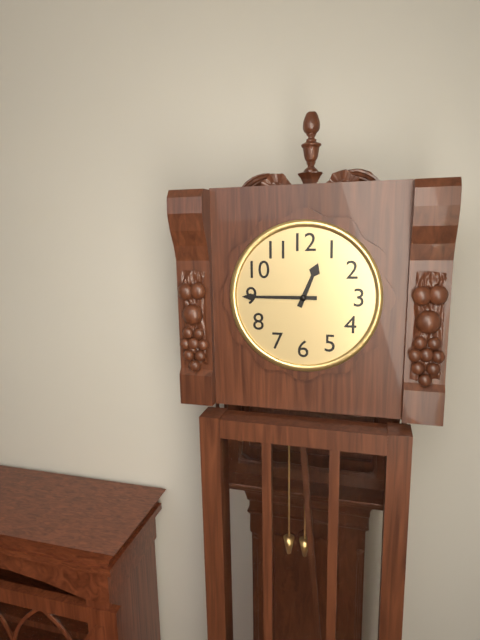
12:45
